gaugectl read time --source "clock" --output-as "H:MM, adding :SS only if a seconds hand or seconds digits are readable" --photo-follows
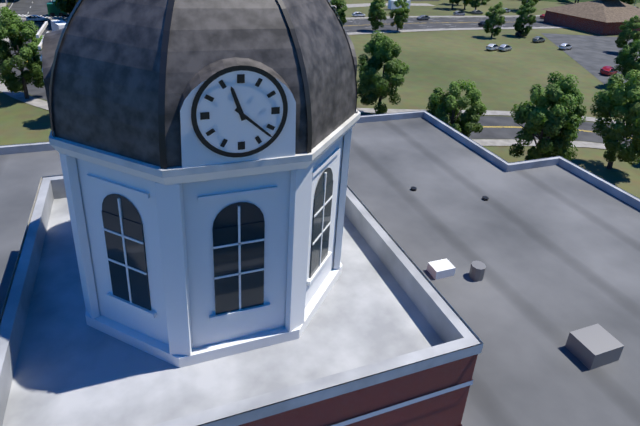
11:22
